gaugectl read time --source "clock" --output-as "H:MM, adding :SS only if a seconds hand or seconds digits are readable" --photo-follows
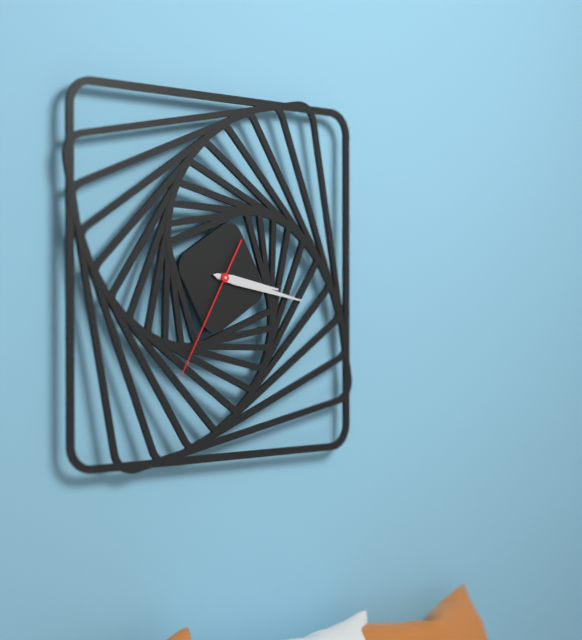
3:17:35
